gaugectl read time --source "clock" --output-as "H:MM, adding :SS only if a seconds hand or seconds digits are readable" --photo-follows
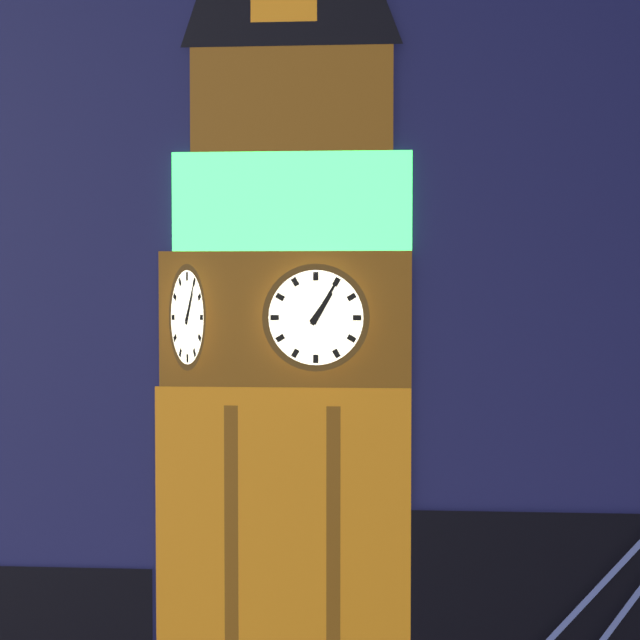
1:05
